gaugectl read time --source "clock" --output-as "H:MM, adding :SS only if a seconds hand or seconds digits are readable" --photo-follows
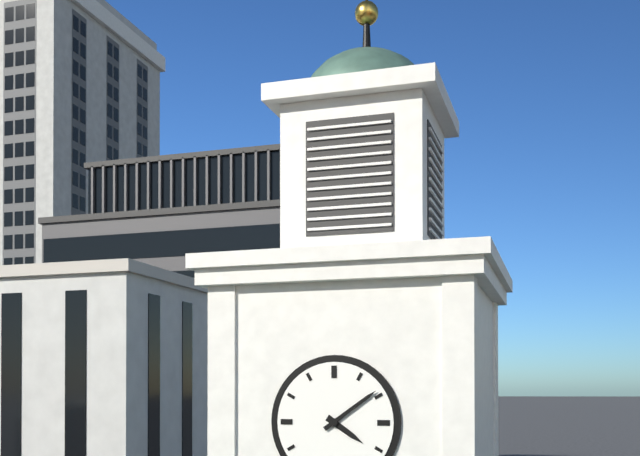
4:09
